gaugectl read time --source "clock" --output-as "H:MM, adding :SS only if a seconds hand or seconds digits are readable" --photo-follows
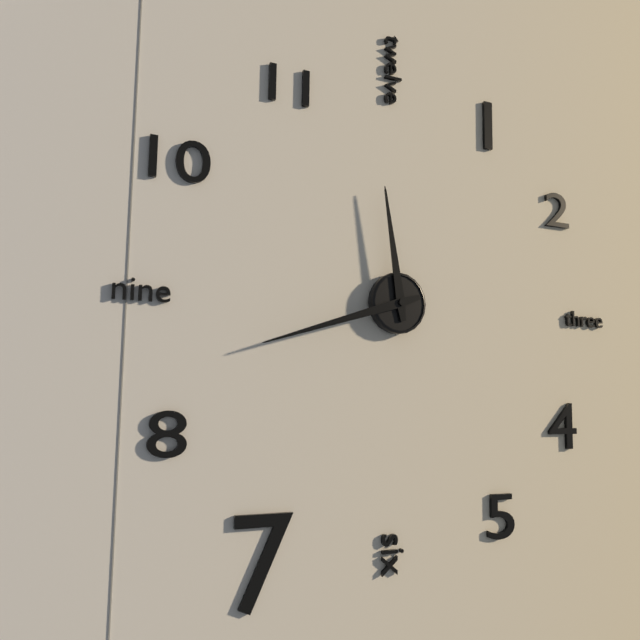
11:42
